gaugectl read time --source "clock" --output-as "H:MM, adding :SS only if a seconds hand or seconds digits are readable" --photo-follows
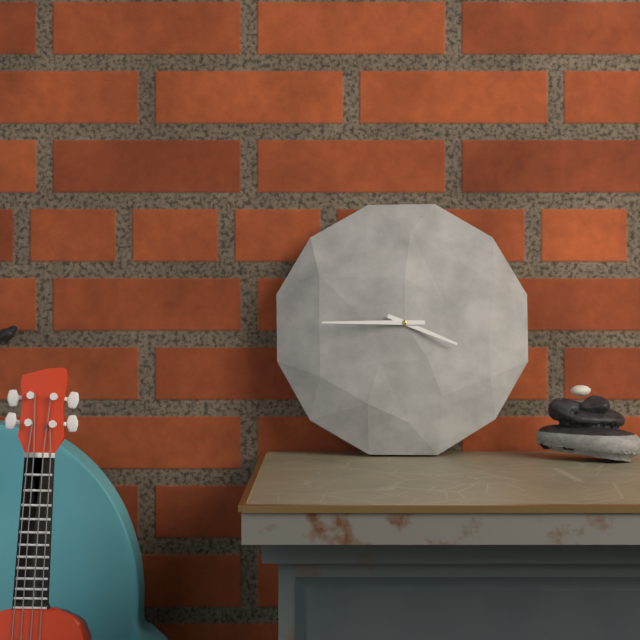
3:45
